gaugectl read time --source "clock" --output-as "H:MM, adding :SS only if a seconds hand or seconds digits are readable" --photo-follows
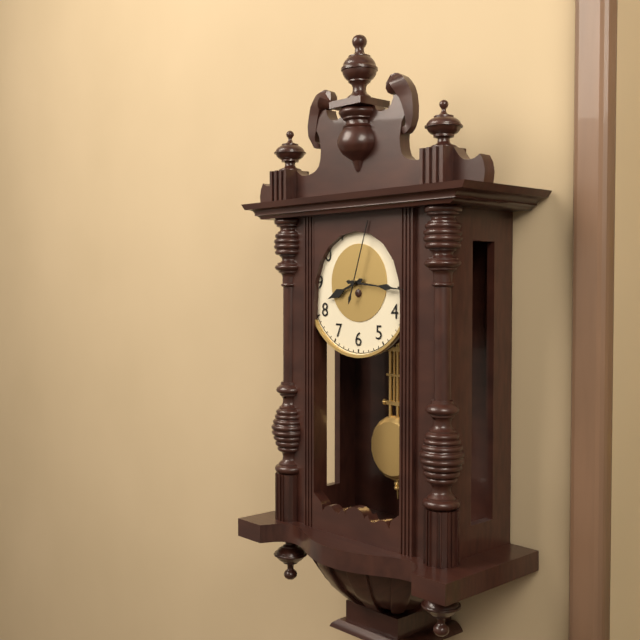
8:16:03
